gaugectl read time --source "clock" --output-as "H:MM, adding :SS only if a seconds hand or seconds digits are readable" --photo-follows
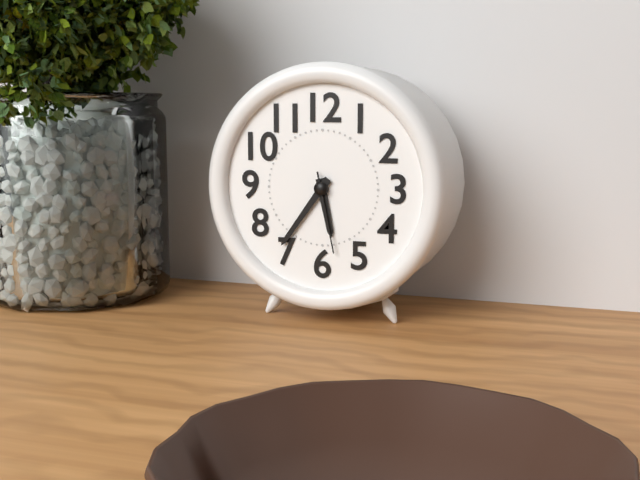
5:36:28
